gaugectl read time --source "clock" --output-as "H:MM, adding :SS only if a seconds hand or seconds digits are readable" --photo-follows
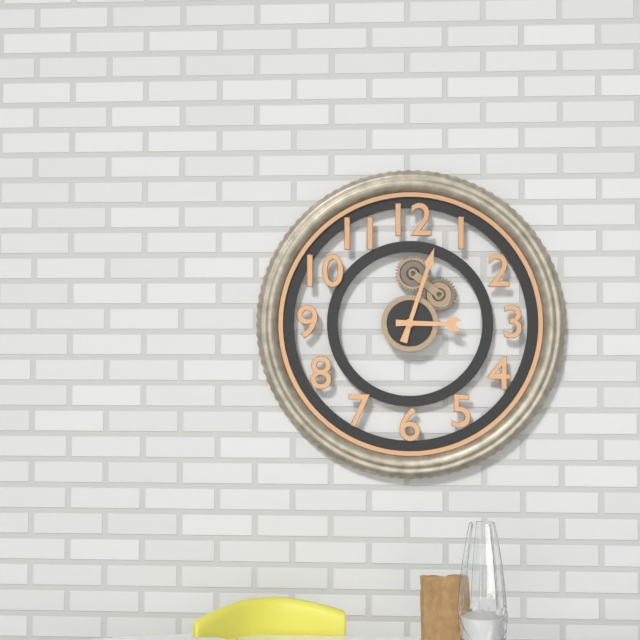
3:03
